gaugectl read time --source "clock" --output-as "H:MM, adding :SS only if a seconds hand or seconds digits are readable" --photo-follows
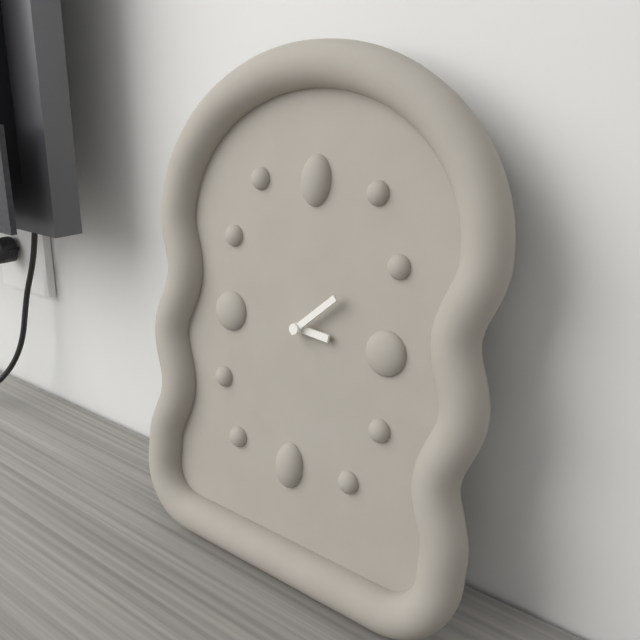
3:08
